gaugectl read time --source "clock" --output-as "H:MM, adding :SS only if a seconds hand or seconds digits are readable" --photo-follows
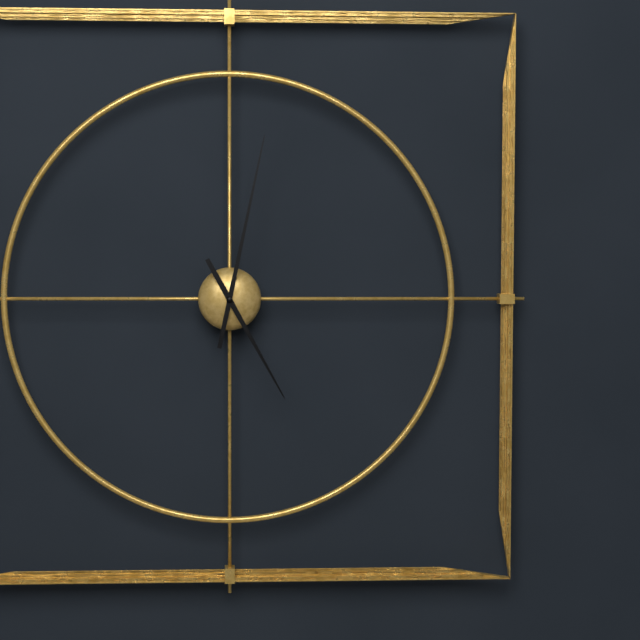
5:02
